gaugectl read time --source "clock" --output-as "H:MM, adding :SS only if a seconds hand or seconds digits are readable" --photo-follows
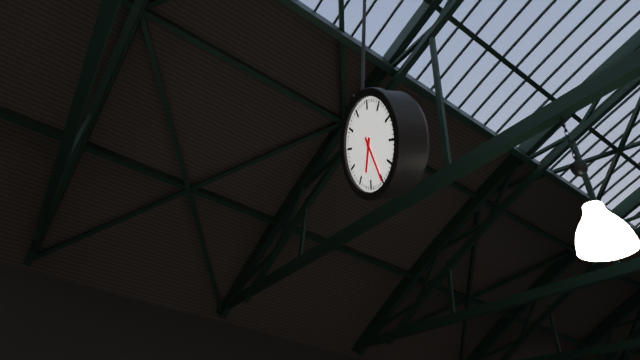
7:30
